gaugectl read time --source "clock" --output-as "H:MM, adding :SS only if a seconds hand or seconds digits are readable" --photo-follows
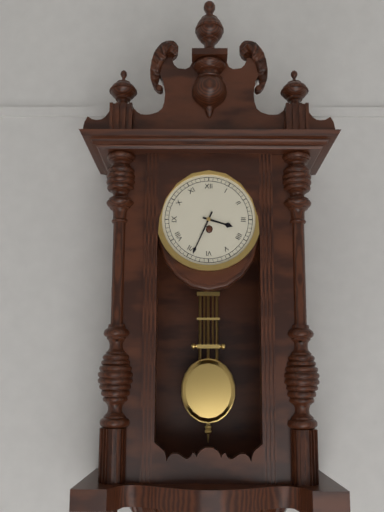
3:34
